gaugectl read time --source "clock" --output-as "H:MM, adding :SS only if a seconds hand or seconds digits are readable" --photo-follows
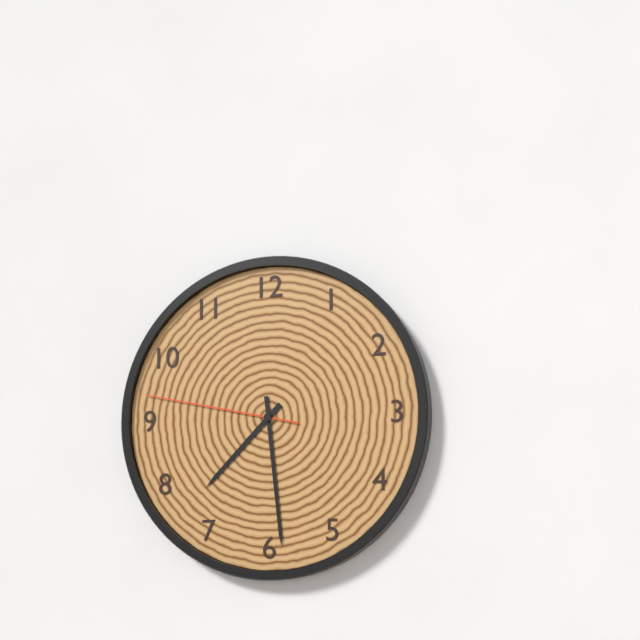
7:29:47
